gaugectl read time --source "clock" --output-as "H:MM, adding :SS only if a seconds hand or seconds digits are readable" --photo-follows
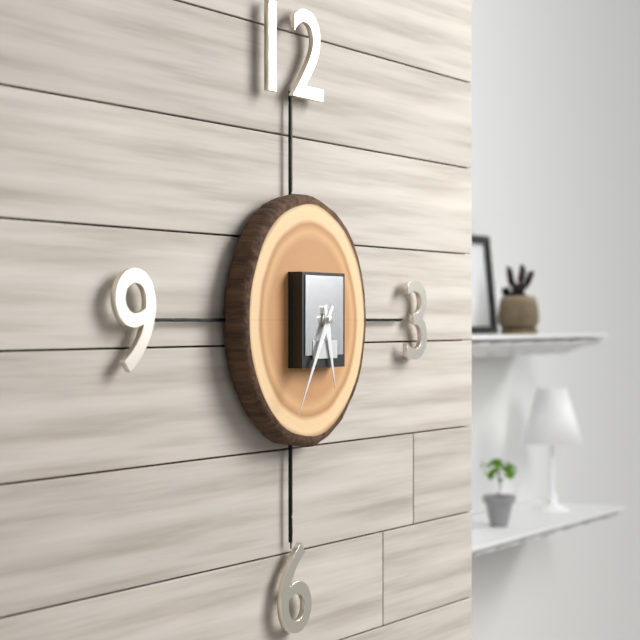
5:35
